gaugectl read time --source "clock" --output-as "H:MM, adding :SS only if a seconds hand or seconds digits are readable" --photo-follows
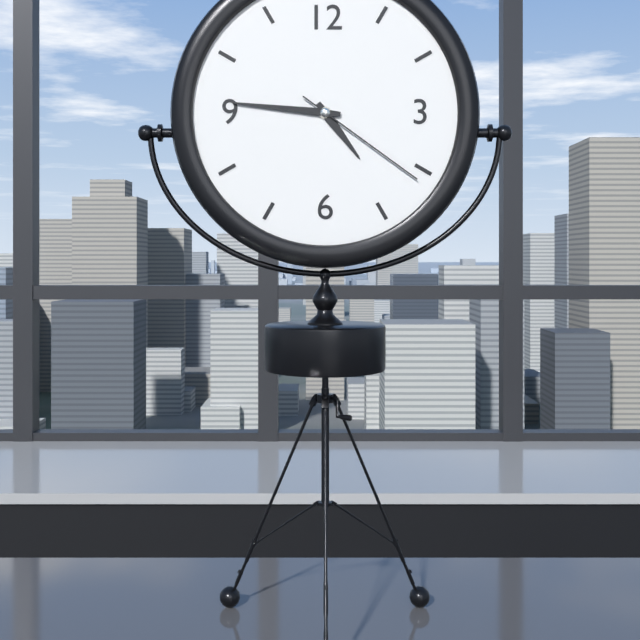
4:46:21
